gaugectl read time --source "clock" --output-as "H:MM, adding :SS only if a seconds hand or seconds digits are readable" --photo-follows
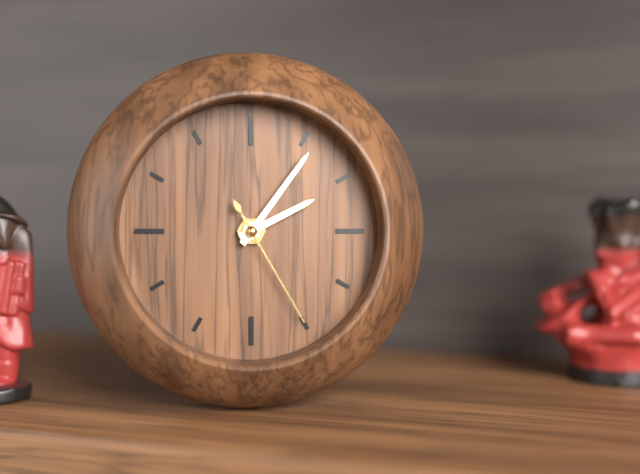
2:06:25
